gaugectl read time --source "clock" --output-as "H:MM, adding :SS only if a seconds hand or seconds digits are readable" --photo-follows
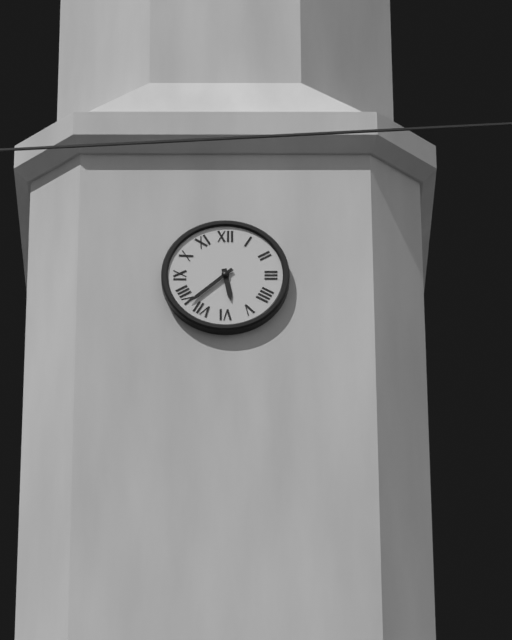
5:38
